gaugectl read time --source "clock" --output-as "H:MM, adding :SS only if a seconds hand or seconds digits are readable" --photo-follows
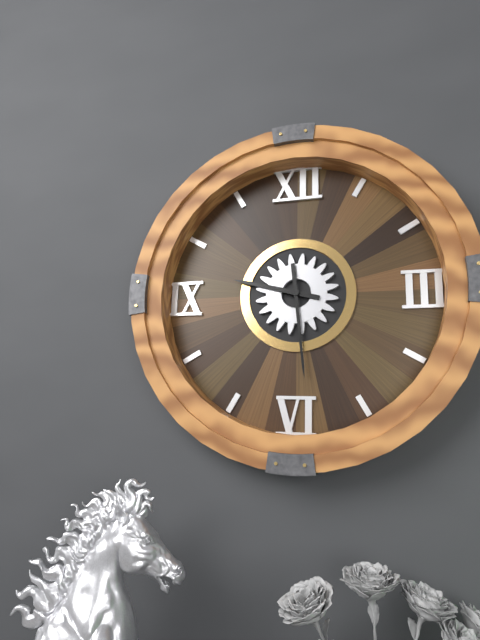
9:29
